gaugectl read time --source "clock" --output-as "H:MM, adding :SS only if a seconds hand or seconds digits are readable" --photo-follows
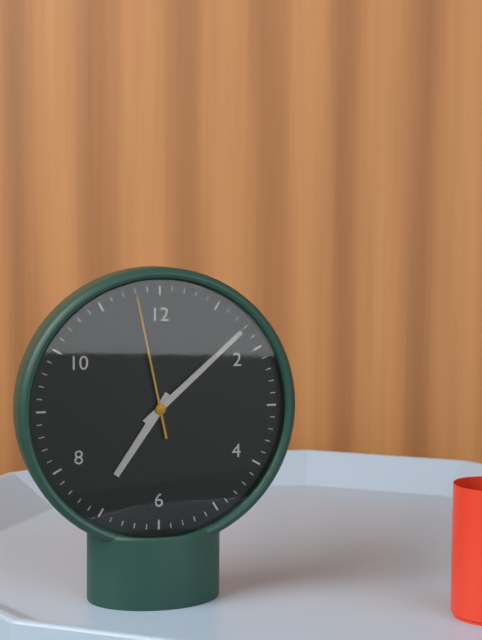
7:08:58
